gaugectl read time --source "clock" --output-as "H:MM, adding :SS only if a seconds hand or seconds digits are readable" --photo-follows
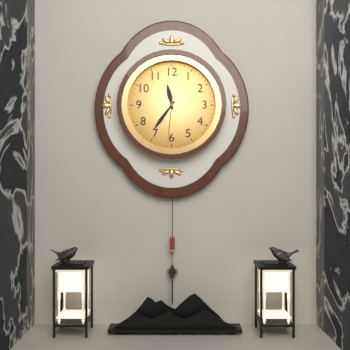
11:36
